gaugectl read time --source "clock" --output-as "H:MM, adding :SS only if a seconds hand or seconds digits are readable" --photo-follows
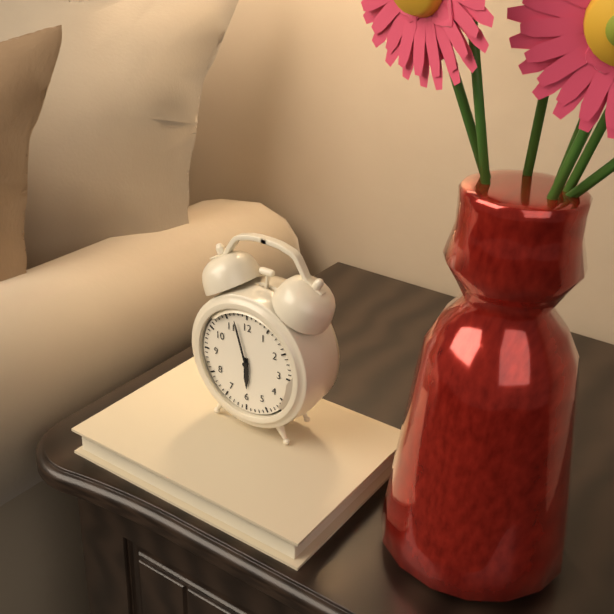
5:57
